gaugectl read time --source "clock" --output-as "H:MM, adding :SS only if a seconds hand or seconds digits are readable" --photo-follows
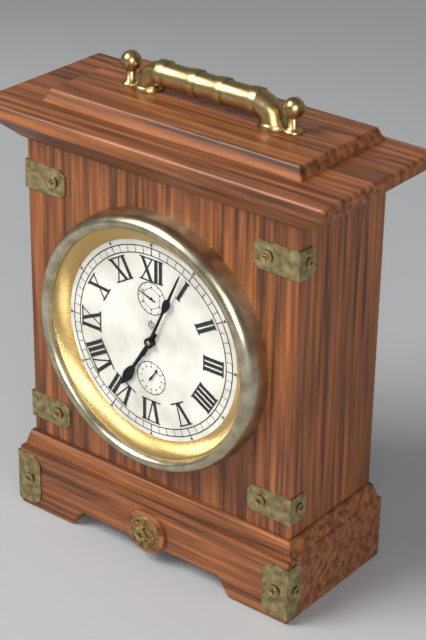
7:04
